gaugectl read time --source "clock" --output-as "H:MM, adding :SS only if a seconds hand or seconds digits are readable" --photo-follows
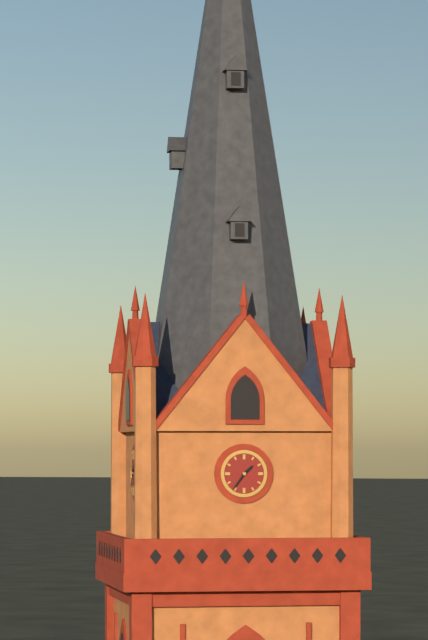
1:36
